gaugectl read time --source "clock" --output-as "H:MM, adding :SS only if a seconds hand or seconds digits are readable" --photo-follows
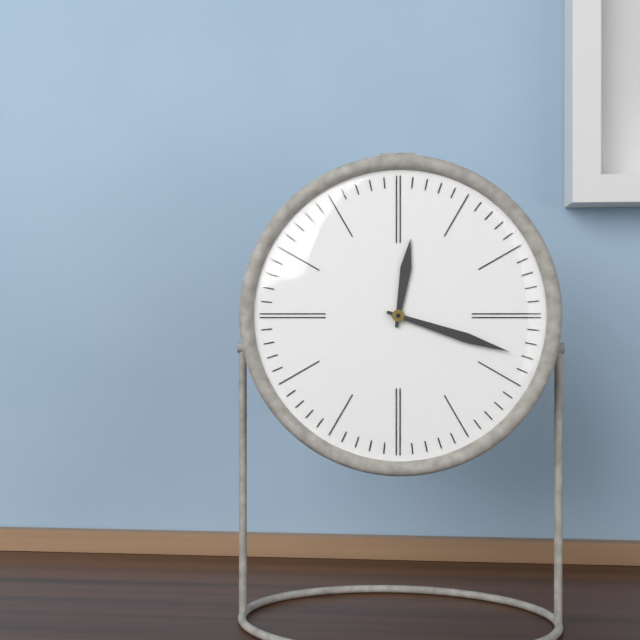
12:18
